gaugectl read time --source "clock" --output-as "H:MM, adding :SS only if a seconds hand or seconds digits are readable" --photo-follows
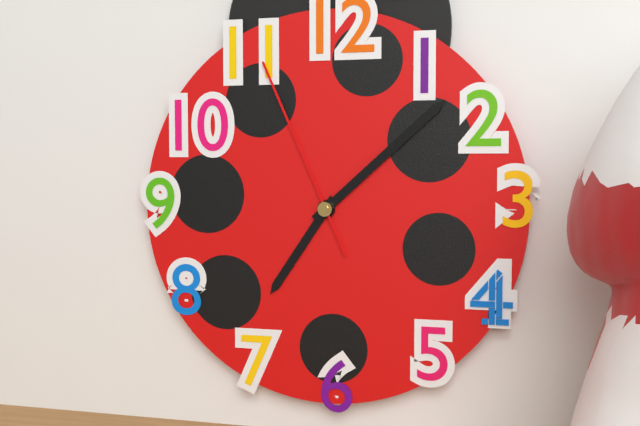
7:08:56
